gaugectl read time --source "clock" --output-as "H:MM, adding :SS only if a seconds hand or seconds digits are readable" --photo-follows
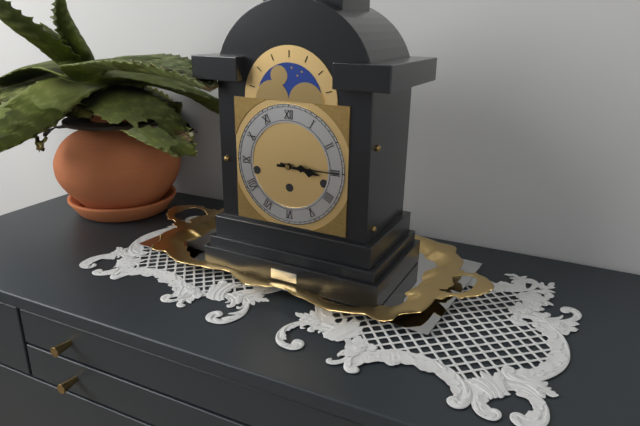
3:15
